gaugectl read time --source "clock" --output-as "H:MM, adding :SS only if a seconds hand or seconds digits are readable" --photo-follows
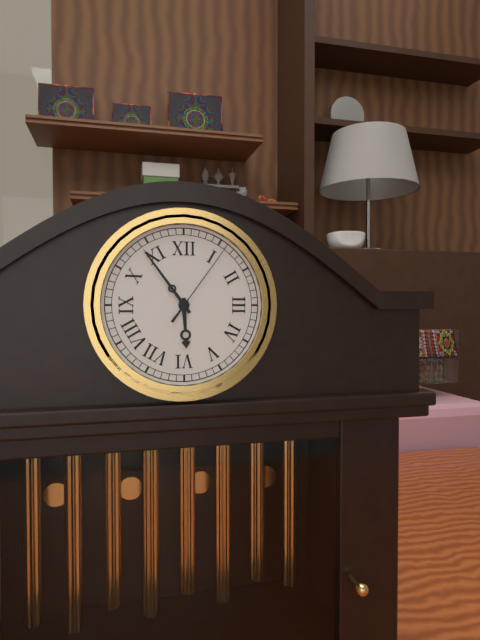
5:54:06
